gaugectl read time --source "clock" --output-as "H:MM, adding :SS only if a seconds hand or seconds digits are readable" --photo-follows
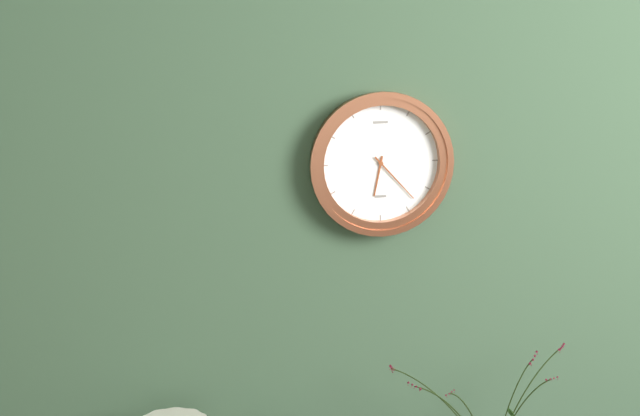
6:23
